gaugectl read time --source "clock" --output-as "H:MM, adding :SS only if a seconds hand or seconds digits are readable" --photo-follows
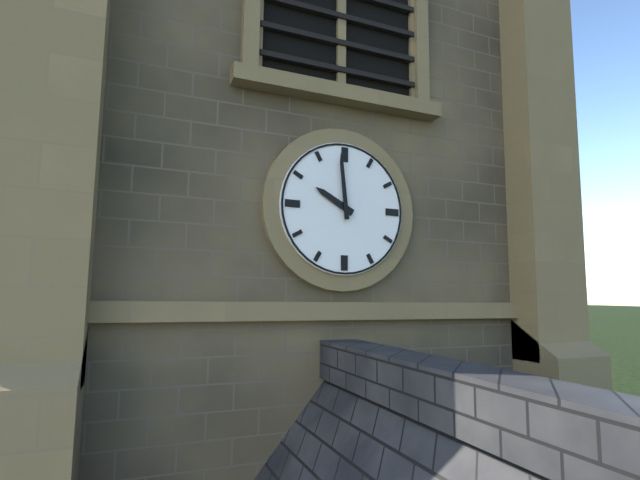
9:59
